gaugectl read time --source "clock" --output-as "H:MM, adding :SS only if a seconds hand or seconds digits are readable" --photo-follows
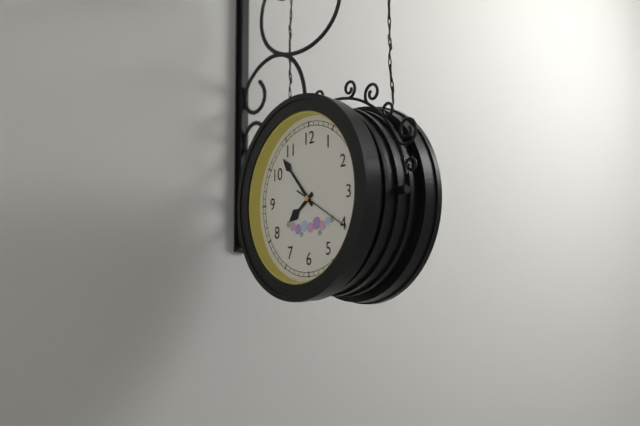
7:53:20
